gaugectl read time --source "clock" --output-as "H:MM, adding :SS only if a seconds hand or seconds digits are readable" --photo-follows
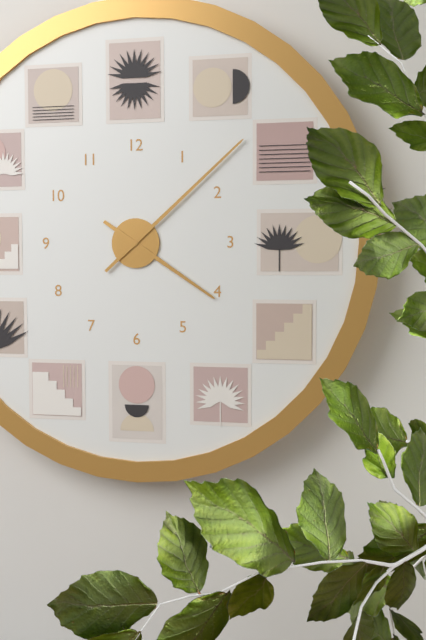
4:08
